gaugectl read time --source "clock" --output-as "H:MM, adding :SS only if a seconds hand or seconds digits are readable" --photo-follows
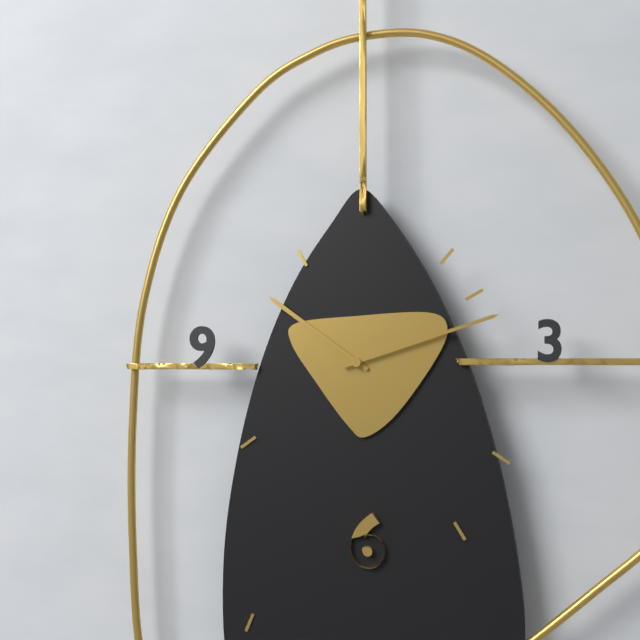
10:12
